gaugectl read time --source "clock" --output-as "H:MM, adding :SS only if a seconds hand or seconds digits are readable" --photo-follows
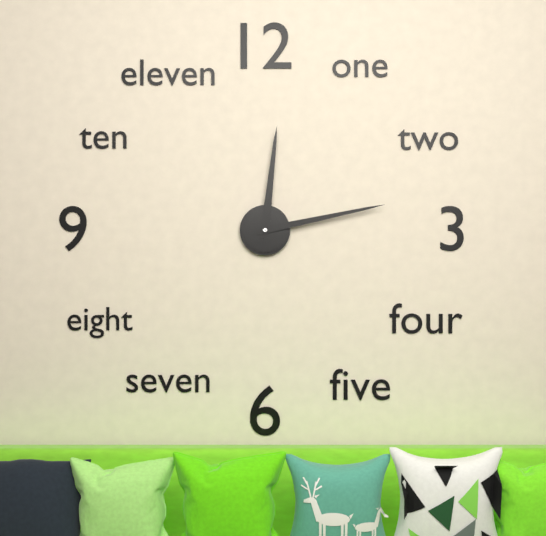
12:13
